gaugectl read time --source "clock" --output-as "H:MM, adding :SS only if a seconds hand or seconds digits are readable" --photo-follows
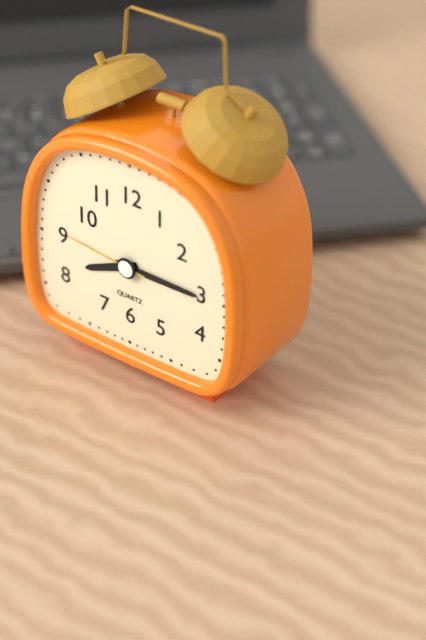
8:15:46
